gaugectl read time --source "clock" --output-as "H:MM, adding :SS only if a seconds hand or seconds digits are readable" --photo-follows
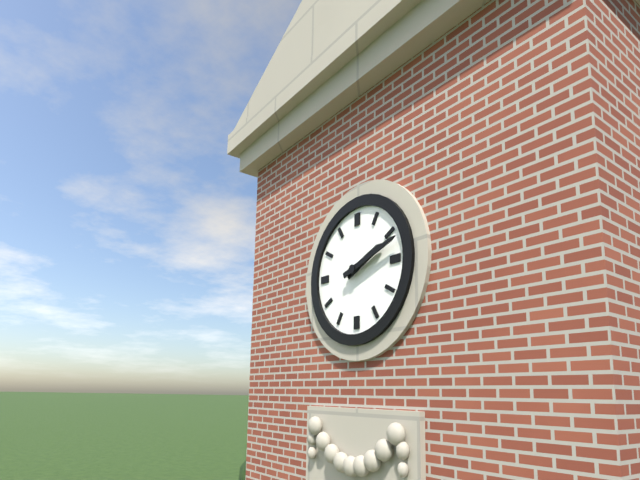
2:12
